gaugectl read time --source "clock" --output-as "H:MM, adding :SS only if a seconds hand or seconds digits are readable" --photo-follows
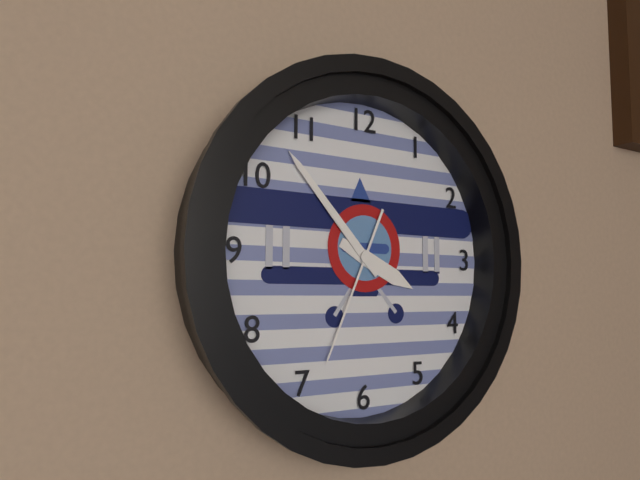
3:53:34
